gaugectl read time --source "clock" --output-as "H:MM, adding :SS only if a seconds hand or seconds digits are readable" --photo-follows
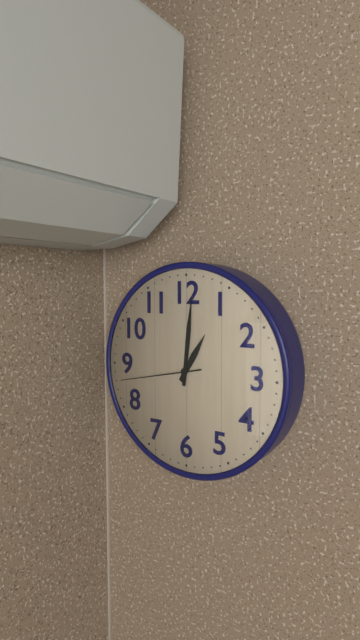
1:01:43
